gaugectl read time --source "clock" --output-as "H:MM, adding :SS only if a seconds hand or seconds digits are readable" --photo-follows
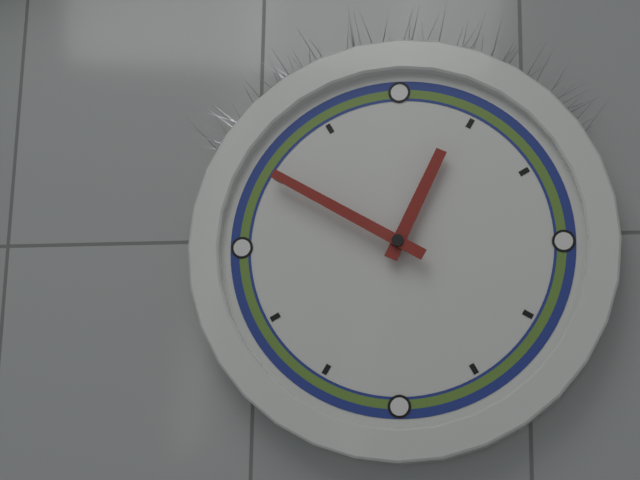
12:50
